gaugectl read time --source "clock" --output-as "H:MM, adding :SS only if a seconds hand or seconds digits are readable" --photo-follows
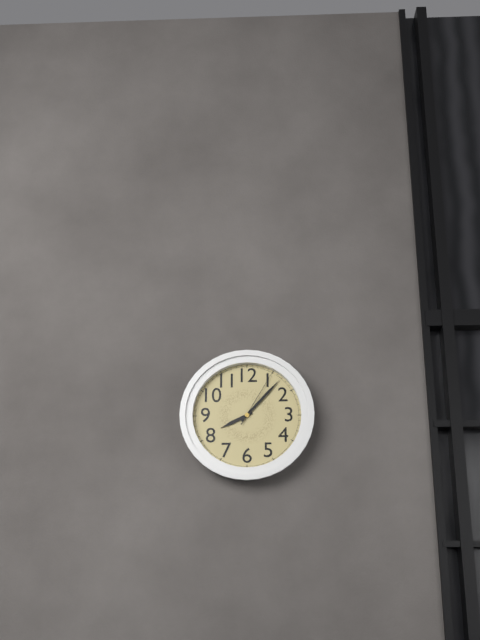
8:07:05
